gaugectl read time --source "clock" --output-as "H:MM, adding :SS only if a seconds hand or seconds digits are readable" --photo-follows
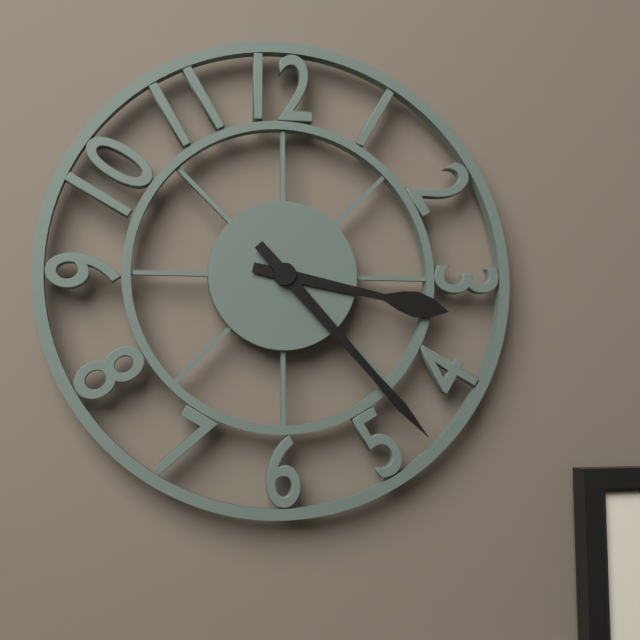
3:23
